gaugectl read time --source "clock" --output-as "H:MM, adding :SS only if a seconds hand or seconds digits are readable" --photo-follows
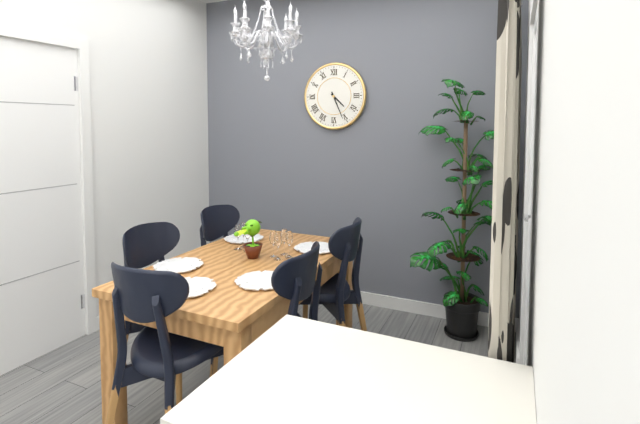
4:26
